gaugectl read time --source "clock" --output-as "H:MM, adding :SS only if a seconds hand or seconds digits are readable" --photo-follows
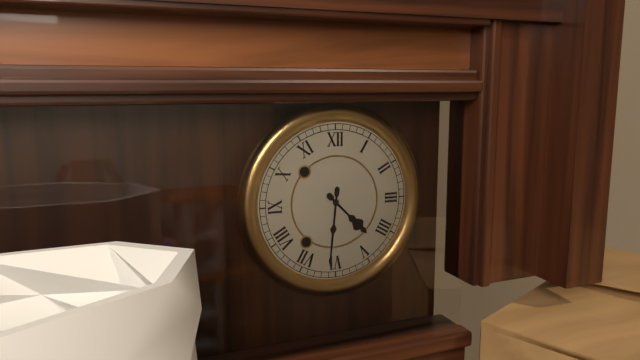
4:31
